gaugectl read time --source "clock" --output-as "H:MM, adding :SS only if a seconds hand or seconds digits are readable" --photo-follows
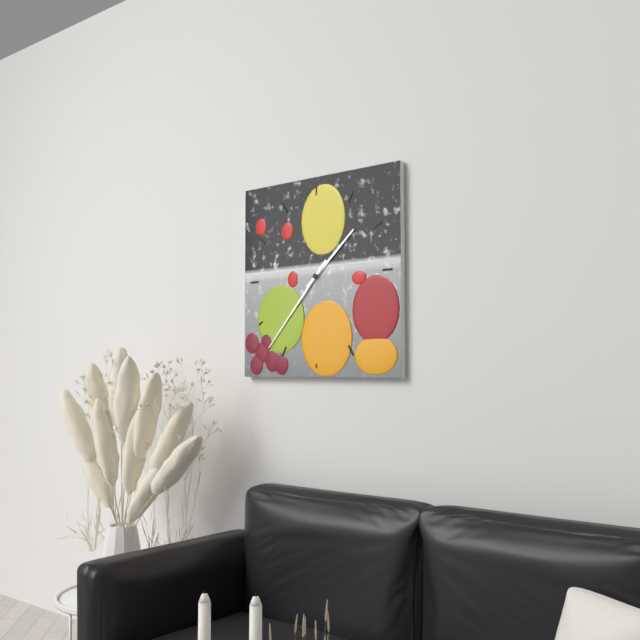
1:37
